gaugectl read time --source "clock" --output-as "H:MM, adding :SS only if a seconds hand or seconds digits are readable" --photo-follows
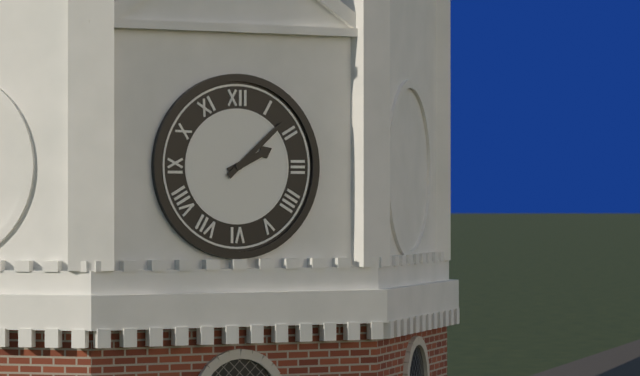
2:08
